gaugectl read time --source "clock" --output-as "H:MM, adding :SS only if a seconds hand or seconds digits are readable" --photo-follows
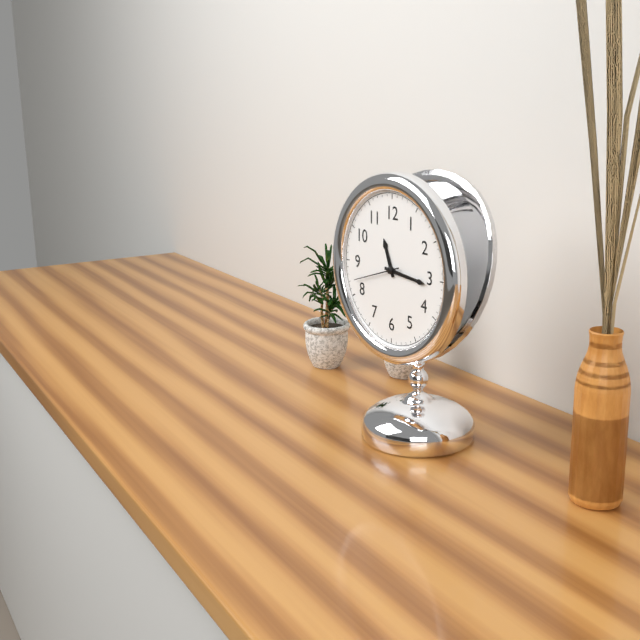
11:16
